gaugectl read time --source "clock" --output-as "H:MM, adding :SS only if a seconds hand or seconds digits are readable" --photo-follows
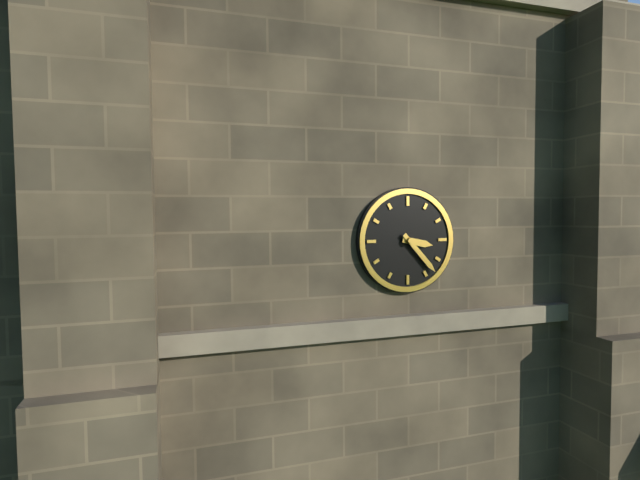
3:23
